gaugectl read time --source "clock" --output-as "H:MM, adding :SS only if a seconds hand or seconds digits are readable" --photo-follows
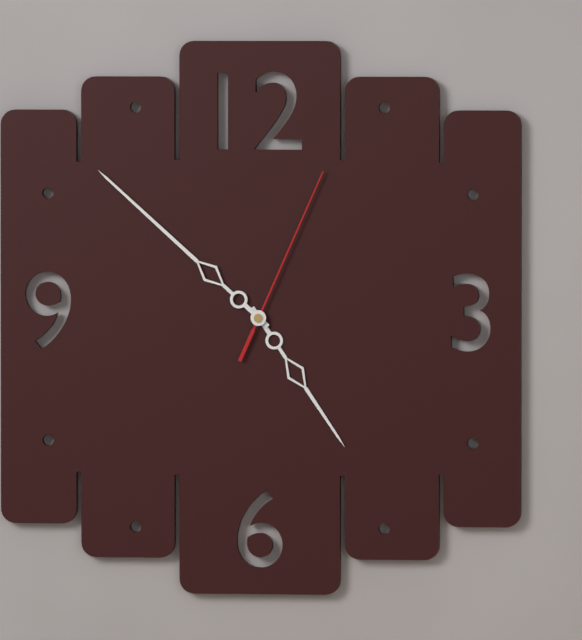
4:52:04
